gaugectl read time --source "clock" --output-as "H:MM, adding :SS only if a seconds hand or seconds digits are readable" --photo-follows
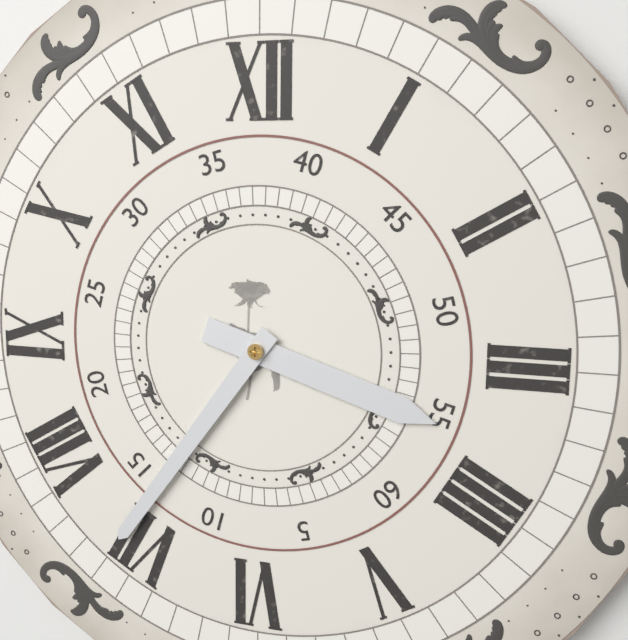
3:36
